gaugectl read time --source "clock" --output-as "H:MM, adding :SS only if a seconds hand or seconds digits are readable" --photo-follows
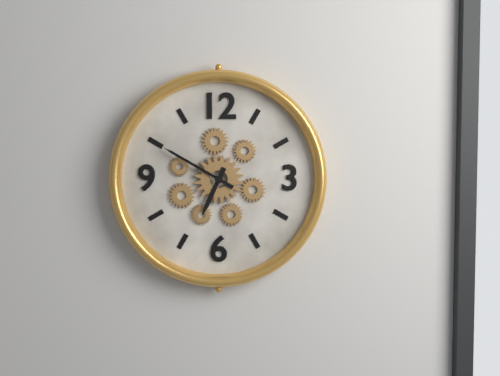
6:50
